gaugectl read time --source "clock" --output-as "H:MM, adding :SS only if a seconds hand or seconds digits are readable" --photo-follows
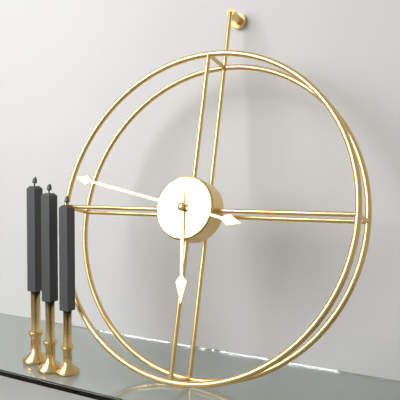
5:47
